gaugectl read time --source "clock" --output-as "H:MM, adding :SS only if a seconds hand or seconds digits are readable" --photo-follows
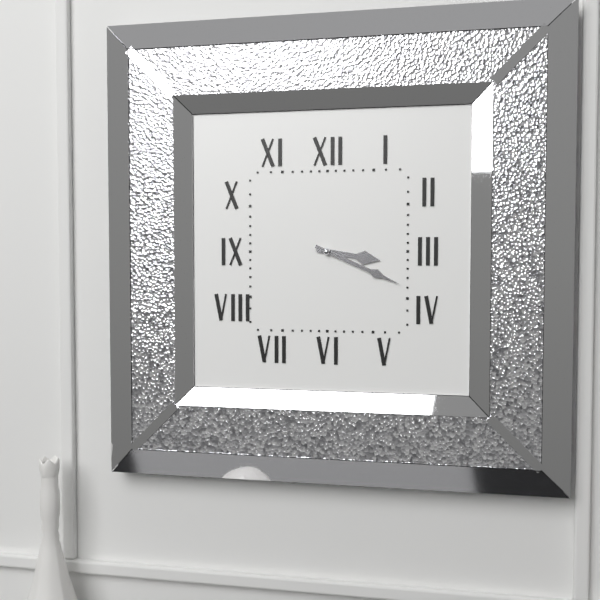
3:19
